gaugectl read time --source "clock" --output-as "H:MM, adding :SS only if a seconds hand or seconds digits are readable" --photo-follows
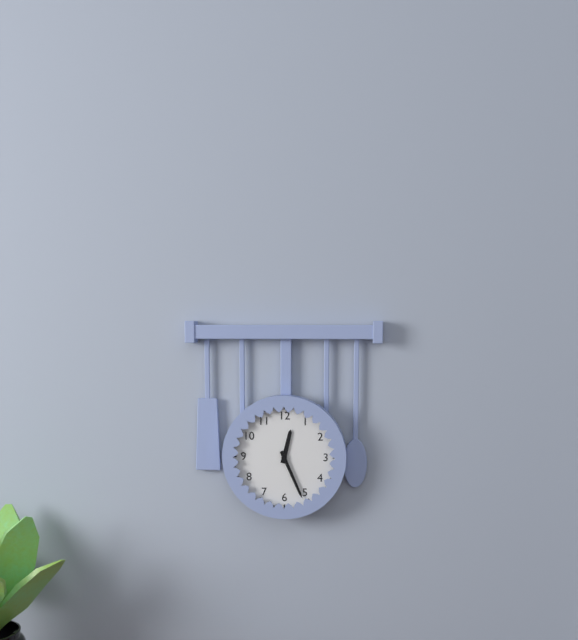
12:26
